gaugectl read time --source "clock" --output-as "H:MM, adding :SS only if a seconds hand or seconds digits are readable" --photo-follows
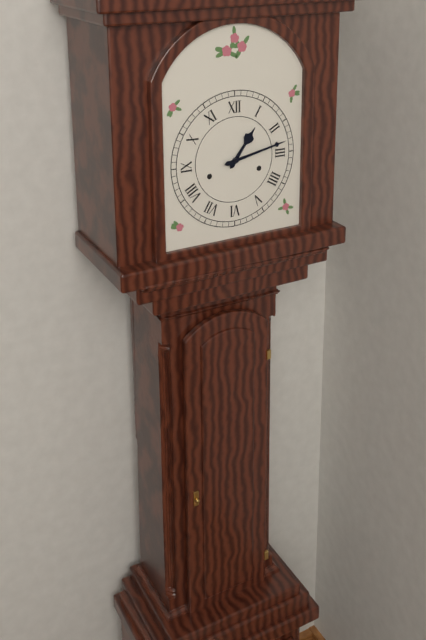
1:13
